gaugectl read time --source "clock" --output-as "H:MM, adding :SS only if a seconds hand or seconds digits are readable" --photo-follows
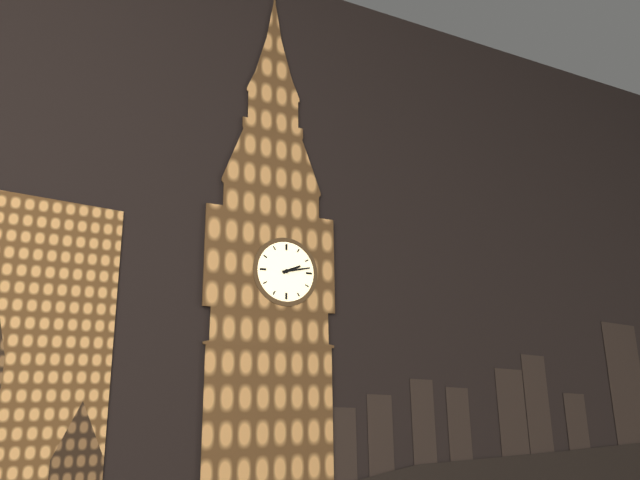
2:13
